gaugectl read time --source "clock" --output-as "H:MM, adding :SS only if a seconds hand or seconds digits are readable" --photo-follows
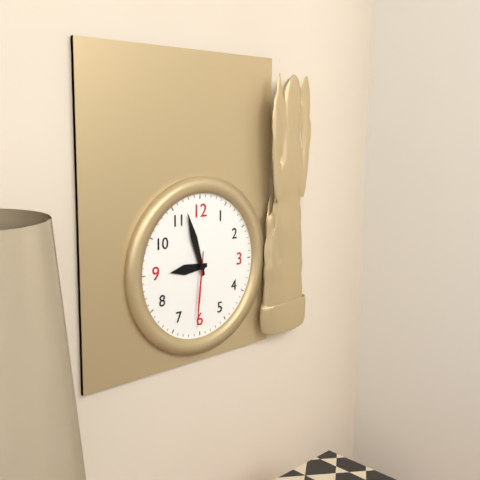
8:57:31
